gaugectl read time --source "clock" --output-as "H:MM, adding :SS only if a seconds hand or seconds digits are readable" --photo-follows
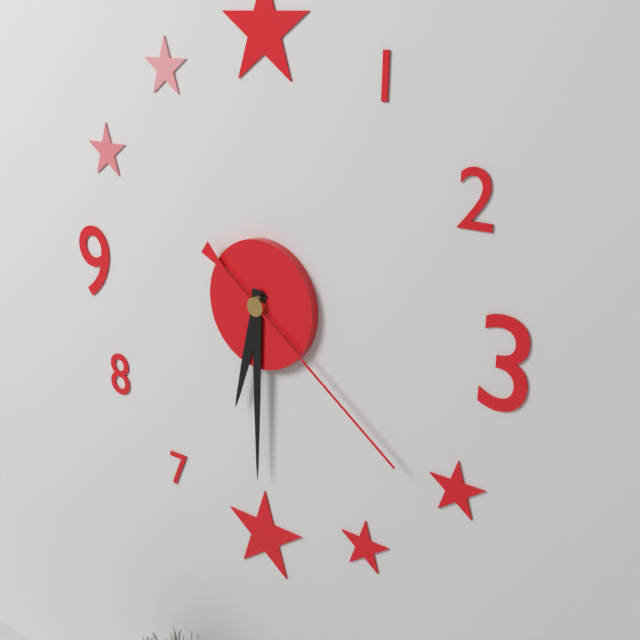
6:30:21
